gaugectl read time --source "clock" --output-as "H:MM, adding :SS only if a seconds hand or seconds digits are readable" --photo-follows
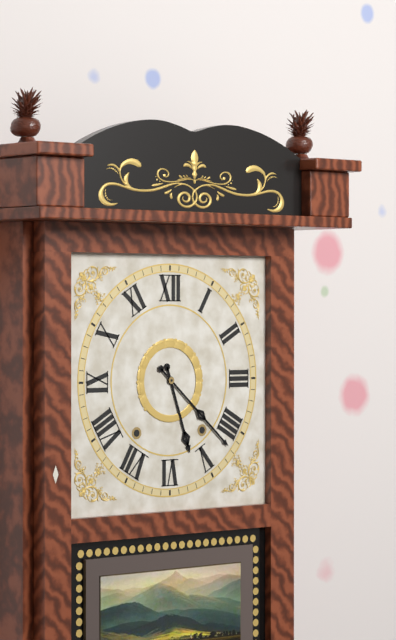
5:22
